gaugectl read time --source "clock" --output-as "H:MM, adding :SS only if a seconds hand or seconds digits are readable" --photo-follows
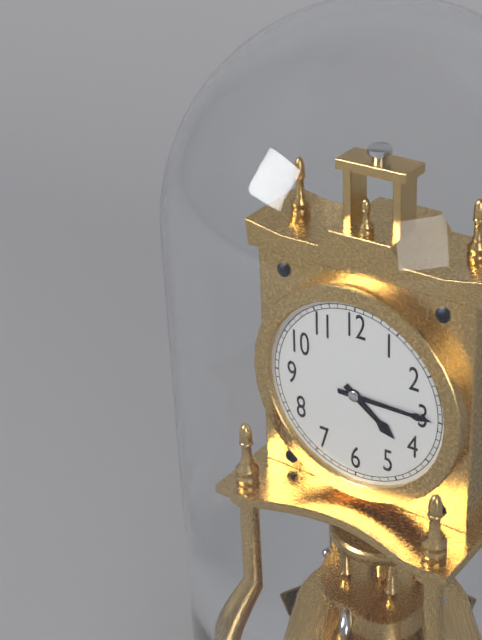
4:15
